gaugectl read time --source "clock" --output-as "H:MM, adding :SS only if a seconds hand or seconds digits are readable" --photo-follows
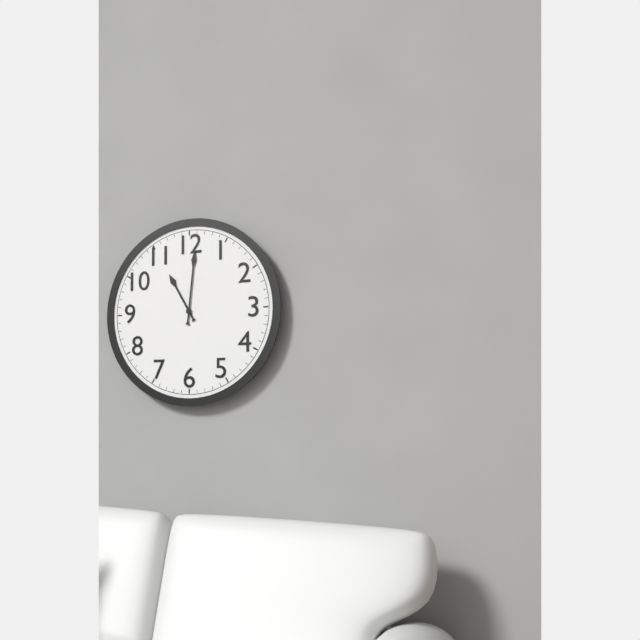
11:01
